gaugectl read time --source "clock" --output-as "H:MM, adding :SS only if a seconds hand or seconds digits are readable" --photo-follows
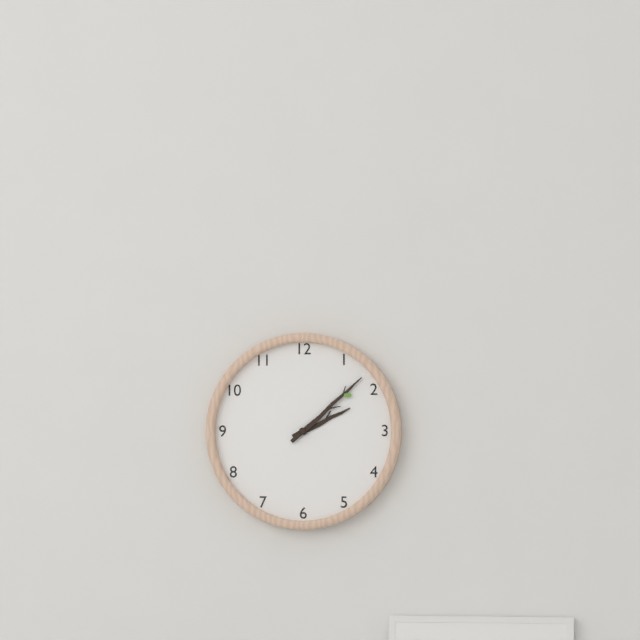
2:08
